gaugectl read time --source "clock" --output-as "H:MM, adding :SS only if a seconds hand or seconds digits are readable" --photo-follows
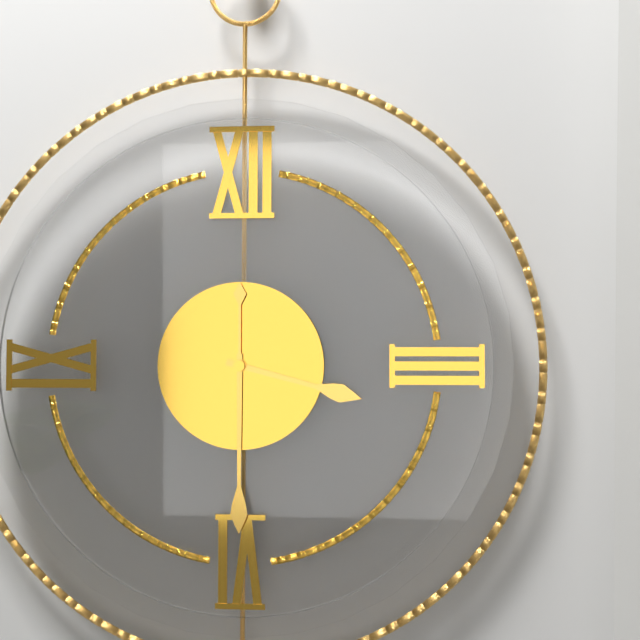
3:30
